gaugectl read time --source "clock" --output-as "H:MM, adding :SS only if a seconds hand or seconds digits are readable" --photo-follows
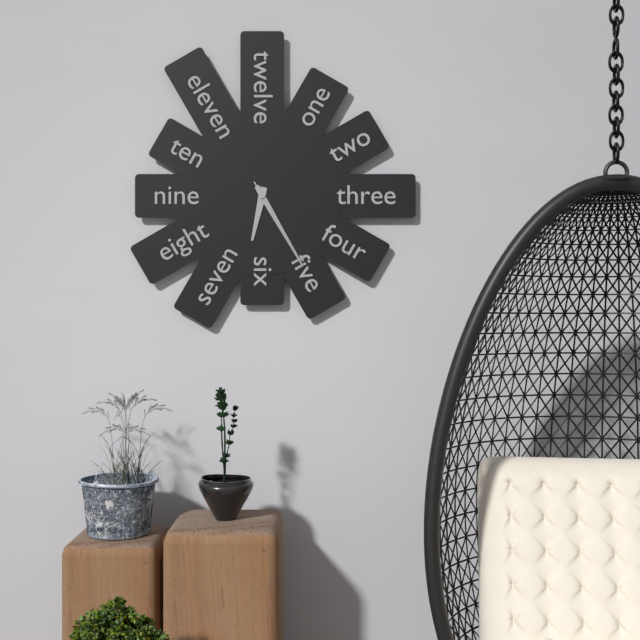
6:25:25
